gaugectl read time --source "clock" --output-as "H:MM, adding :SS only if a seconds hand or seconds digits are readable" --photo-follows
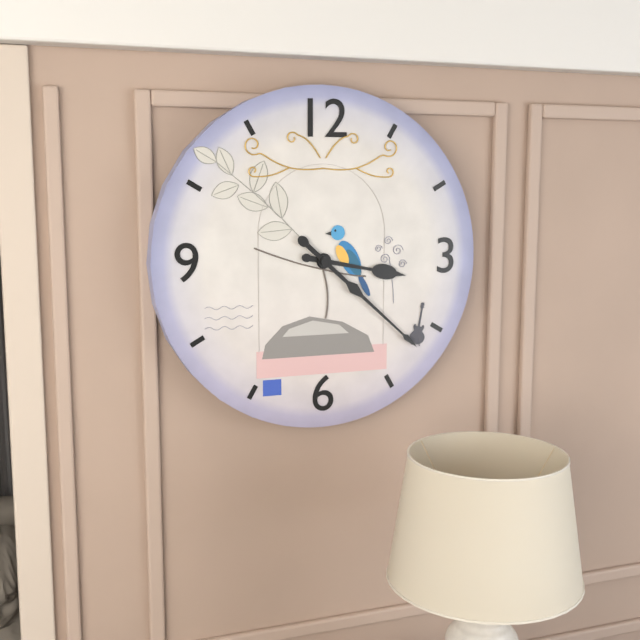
3:22
